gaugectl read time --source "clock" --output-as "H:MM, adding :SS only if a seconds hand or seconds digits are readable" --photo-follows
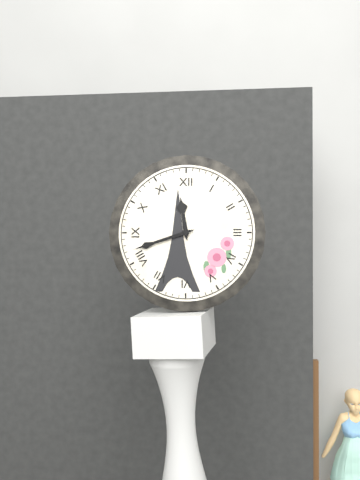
11:42
